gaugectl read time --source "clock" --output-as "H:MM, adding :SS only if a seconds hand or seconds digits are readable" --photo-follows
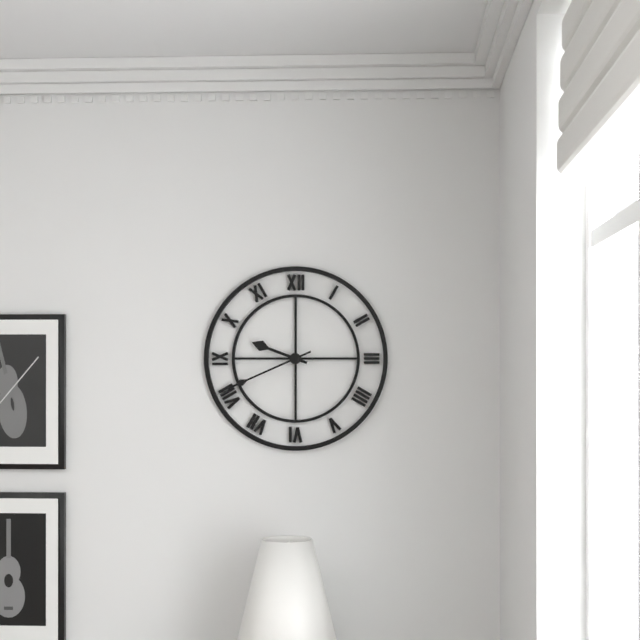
9:41
